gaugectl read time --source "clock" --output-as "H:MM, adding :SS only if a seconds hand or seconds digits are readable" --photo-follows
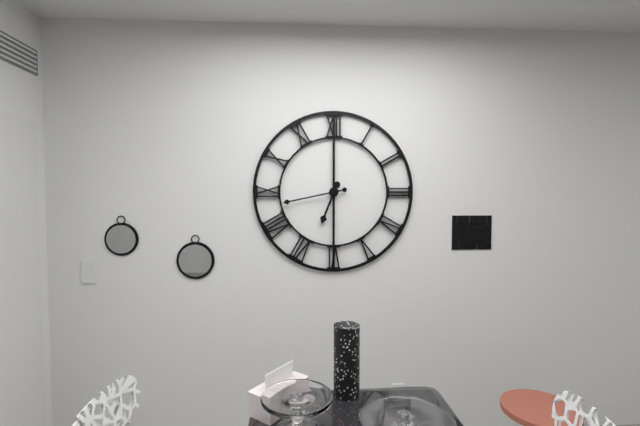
6:43
